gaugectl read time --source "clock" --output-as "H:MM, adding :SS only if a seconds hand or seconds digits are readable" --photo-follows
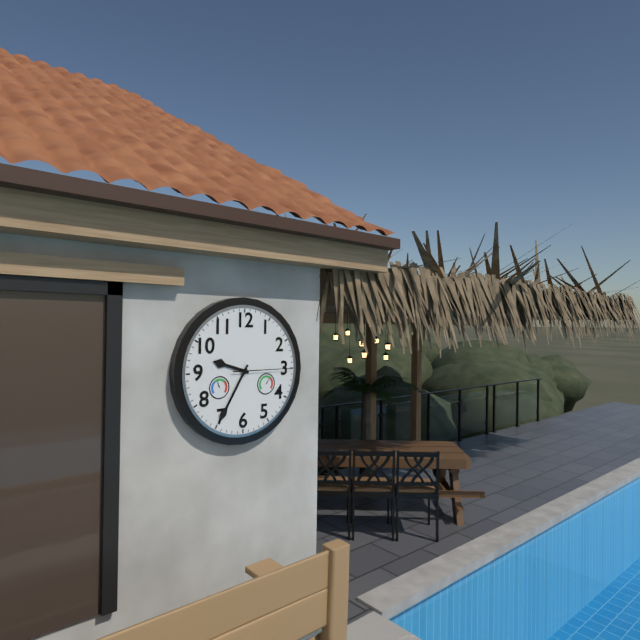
9:35:15
